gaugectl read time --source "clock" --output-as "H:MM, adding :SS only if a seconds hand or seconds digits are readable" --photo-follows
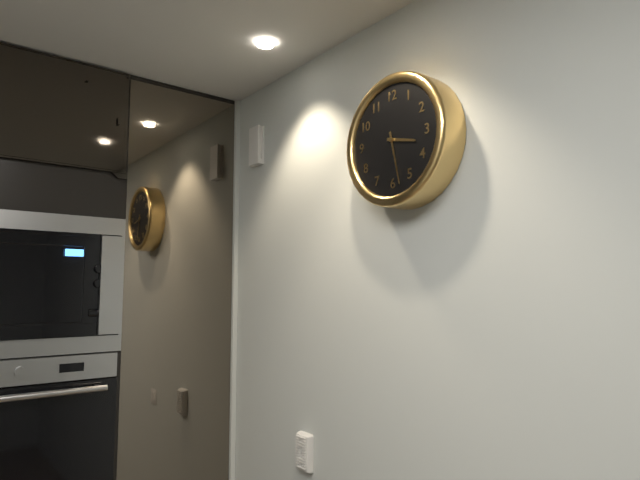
3:28
